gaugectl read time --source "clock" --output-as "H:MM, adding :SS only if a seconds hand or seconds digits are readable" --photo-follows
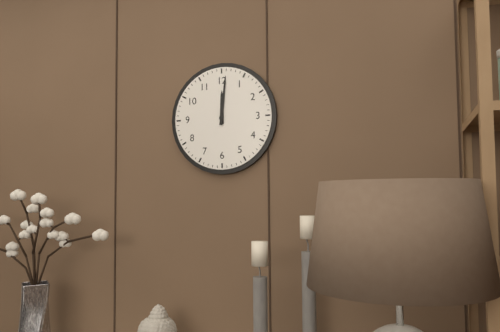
12:01
